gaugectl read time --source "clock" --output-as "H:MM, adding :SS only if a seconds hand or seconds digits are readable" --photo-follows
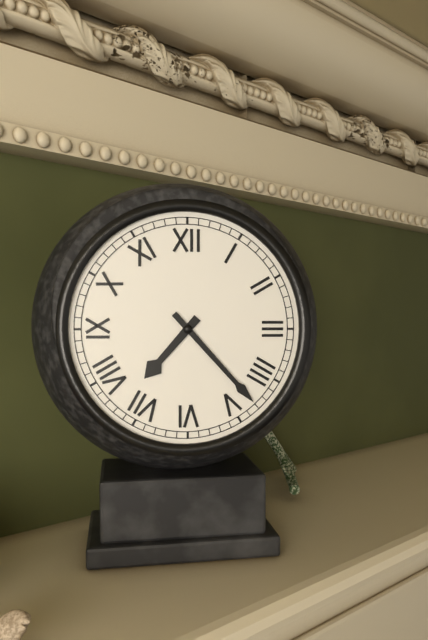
7:23
